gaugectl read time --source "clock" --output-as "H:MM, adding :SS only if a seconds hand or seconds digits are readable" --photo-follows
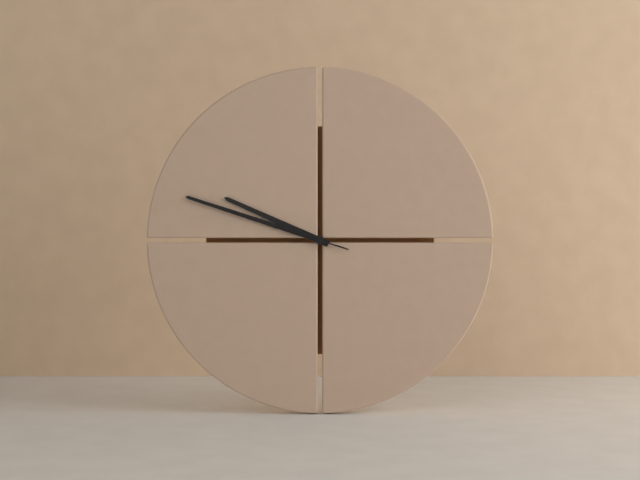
9:48:48
